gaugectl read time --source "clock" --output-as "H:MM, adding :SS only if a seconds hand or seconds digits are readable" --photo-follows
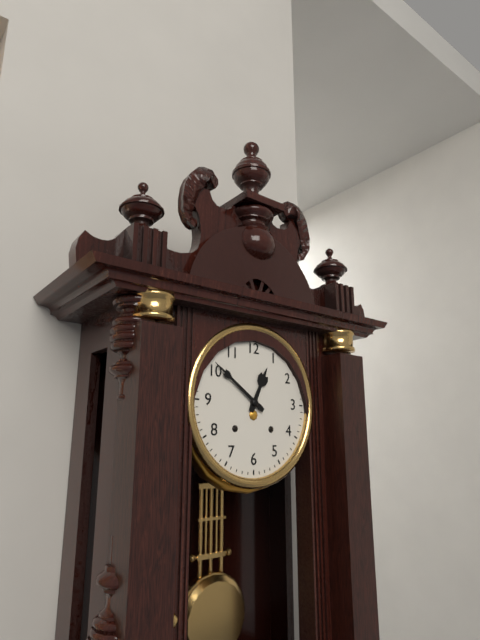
12:51
